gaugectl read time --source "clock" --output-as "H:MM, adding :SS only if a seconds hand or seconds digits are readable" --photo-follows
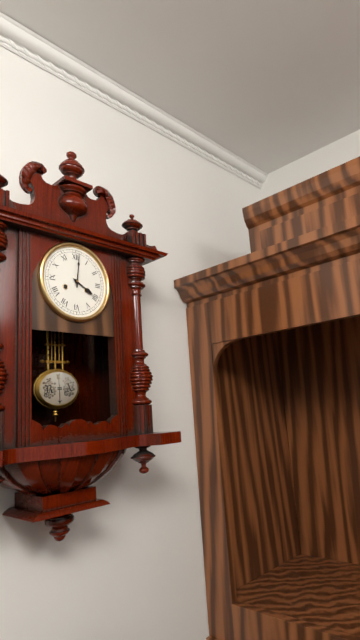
4:01
